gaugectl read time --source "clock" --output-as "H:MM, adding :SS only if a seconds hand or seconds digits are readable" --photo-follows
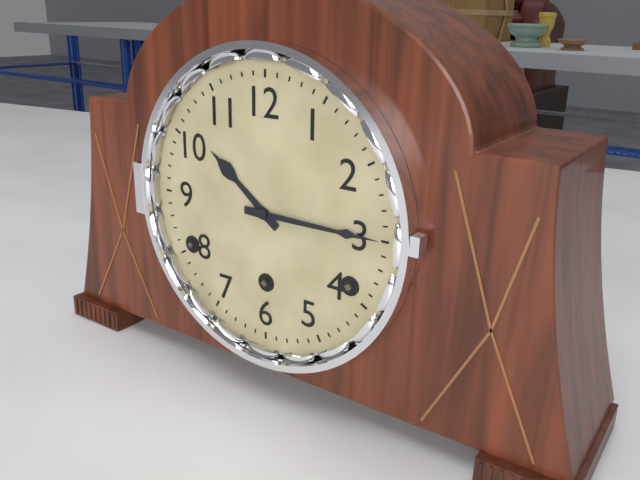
10:15
